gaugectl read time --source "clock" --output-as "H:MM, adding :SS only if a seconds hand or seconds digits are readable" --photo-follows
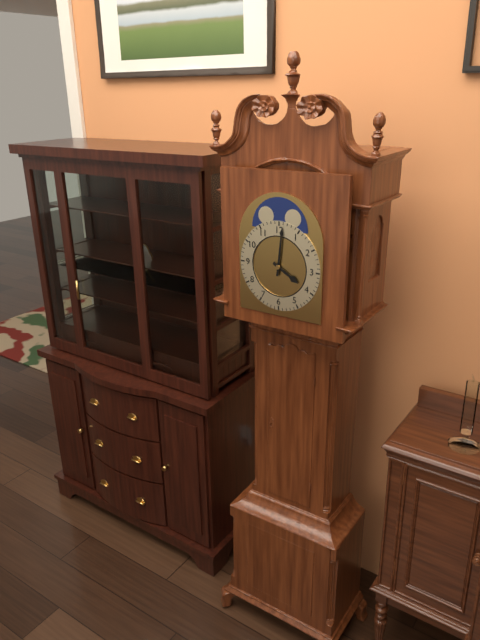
4:01
